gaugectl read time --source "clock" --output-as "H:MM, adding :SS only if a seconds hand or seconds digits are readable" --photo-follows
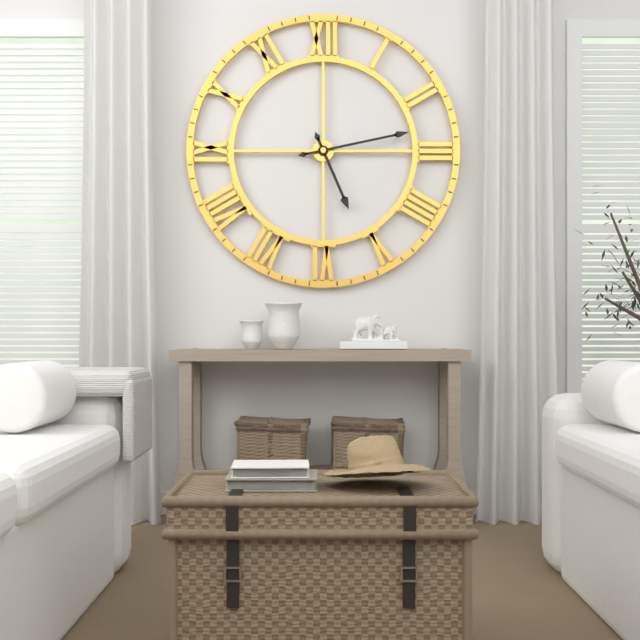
5:13
